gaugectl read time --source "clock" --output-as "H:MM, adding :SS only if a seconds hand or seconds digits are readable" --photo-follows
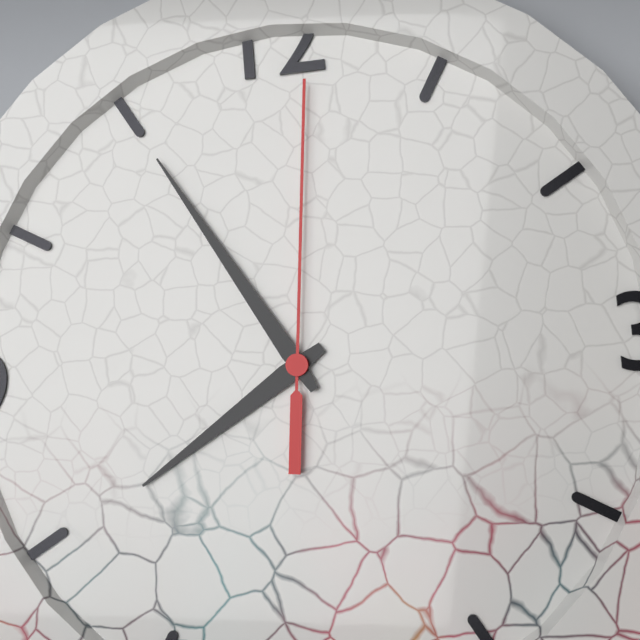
7:55:01
